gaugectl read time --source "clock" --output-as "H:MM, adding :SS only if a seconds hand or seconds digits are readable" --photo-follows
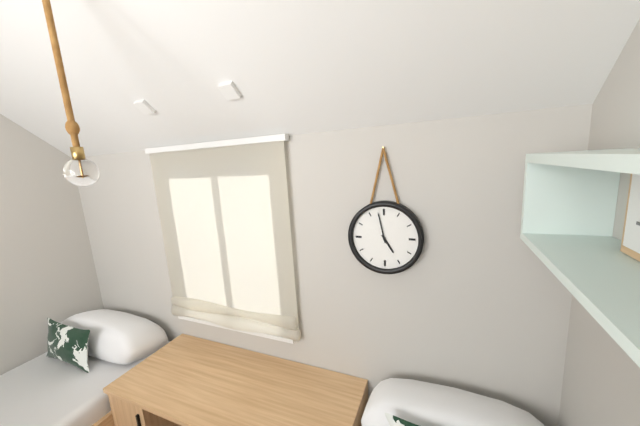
4:58
